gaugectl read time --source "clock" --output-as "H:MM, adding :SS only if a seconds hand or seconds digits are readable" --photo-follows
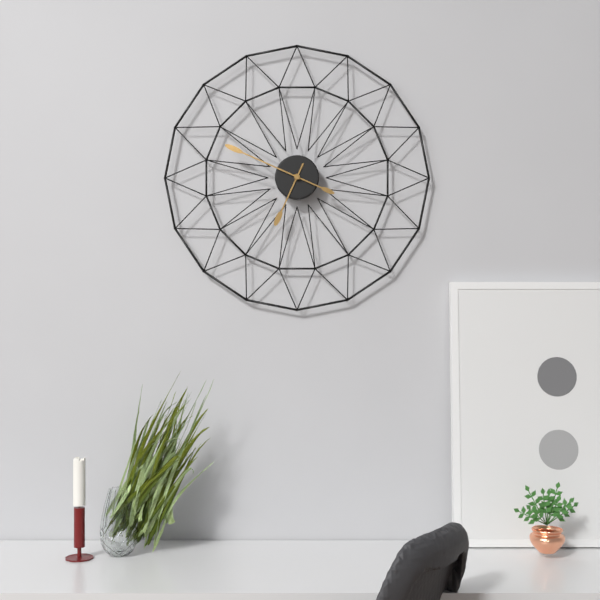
6:49
